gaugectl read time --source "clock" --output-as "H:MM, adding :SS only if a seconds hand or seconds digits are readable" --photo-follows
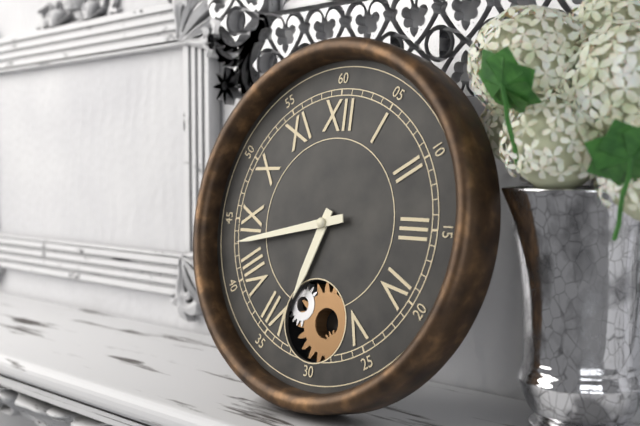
6:43
